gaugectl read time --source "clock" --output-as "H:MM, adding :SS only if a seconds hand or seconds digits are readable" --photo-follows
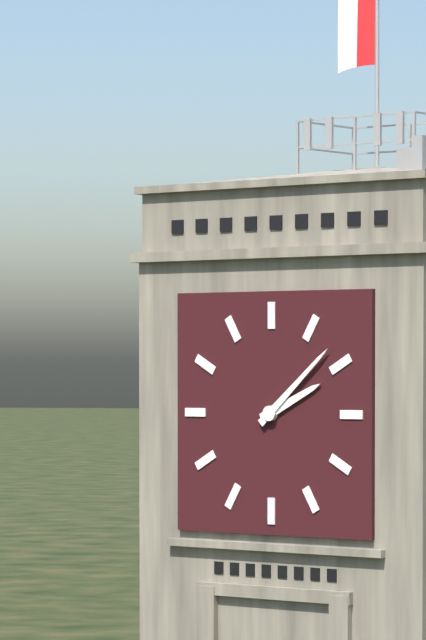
2:08
